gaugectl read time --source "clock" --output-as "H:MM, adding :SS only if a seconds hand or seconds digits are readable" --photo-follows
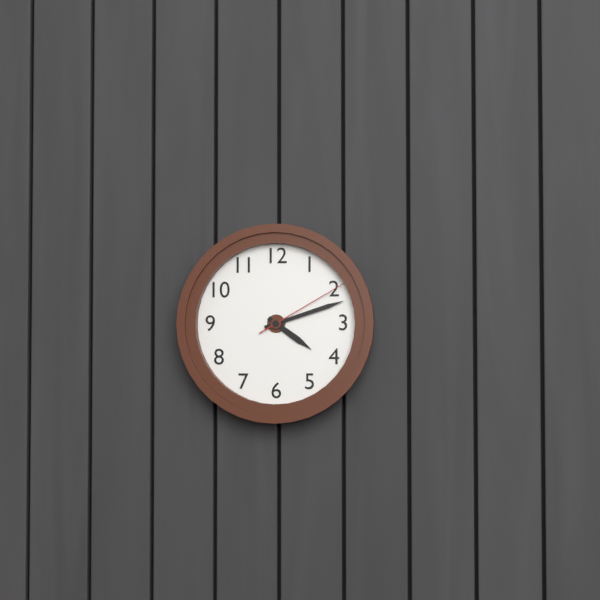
4:12:10
